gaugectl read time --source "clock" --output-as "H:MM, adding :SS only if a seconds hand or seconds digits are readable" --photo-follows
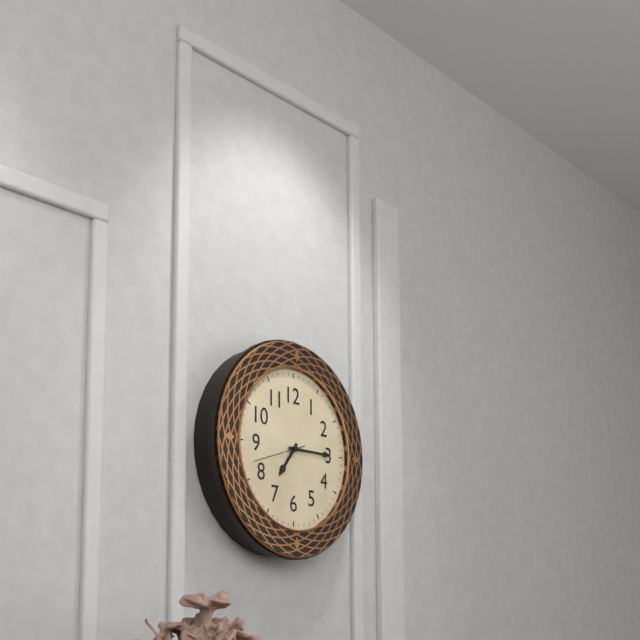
7:15:42
